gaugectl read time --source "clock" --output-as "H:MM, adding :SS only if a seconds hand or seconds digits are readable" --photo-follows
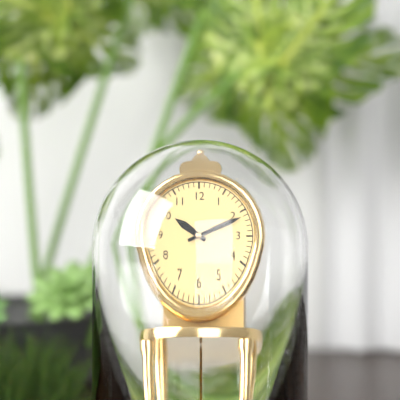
10:11
